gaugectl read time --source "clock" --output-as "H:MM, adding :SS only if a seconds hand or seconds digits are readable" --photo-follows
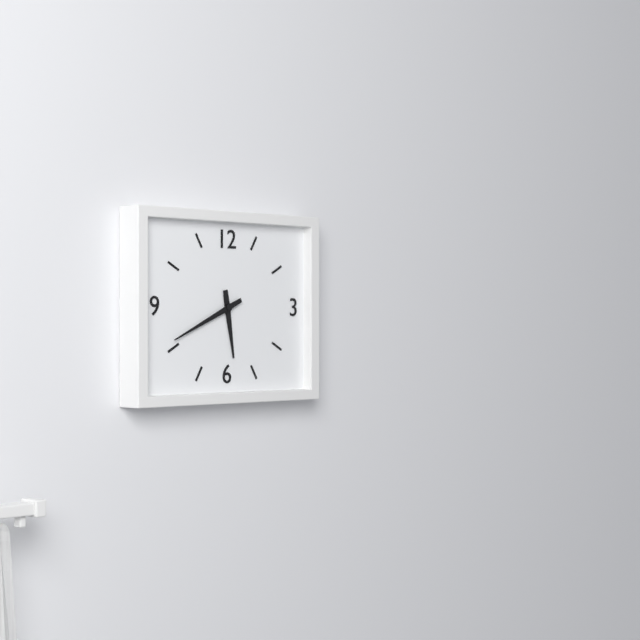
5:41
